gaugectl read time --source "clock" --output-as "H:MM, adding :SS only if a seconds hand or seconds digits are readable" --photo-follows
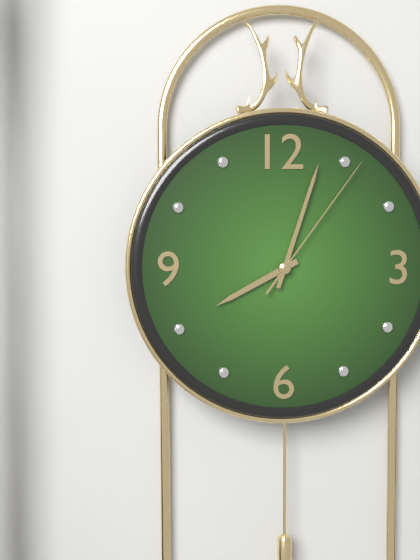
8:03:06
